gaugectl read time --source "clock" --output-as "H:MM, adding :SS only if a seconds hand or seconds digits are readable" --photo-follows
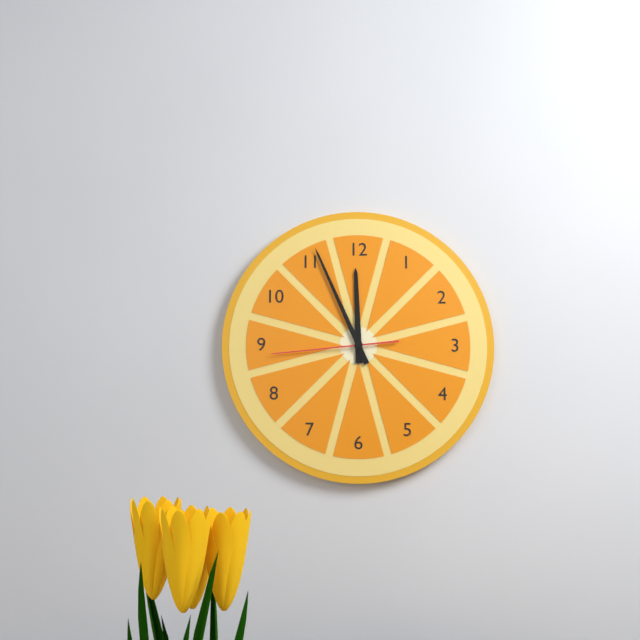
11:56:44
